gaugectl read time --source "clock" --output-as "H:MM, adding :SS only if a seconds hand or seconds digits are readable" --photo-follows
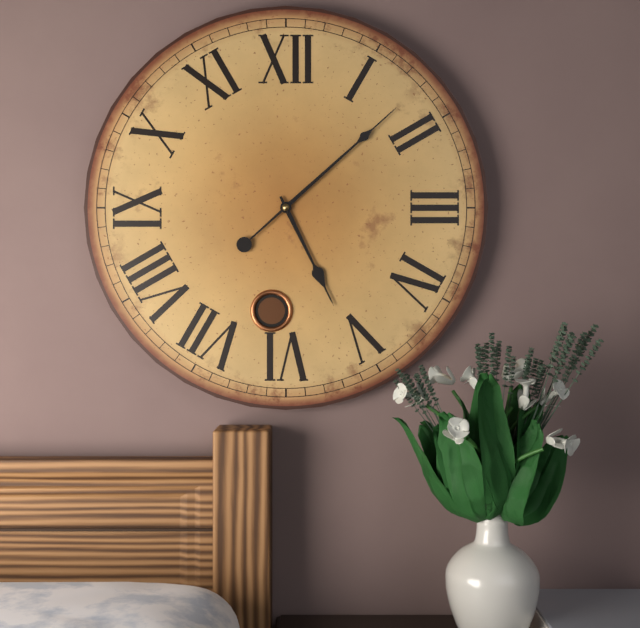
5:08
